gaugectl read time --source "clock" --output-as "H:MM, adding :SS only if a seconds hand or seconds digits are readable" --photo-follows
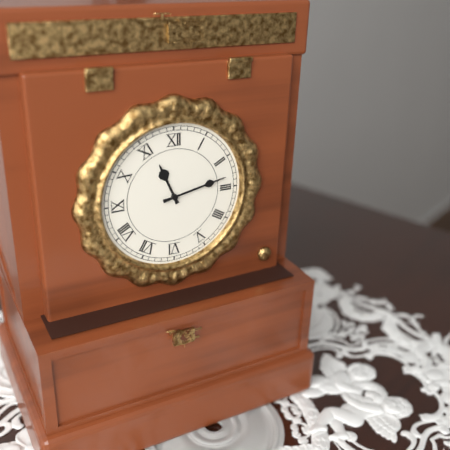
11:13
